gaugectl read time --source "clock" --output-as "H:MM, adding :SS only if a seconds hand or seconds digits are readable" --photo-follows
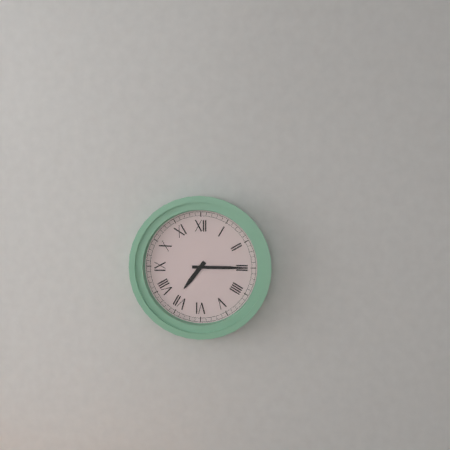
7:15
